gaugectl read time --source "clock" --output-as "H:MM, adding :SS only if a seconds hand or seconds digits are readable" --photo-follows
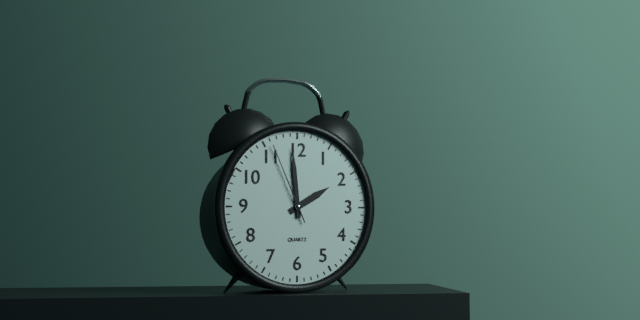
1:59:56
